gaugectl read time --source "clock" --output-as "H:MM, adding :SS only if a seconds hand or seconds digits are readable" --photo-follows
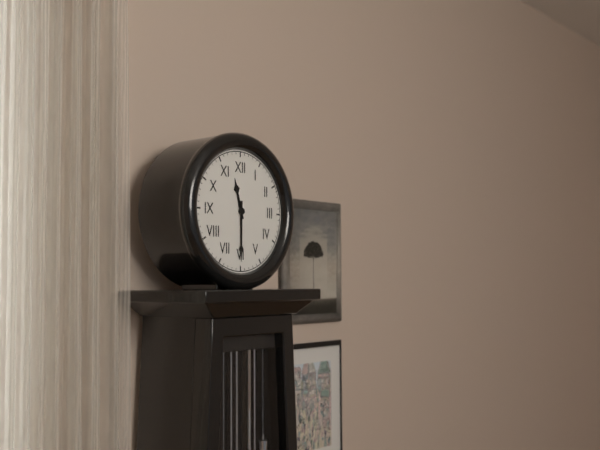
11:30
